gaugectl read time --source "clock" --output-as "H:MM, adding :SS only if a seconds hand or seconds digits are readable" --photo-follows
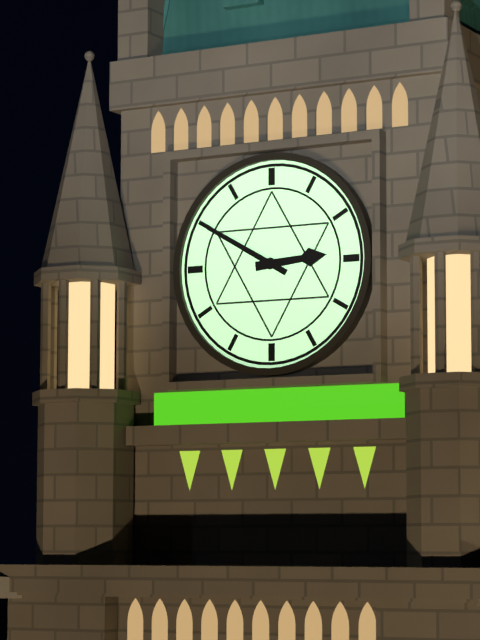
2:50
